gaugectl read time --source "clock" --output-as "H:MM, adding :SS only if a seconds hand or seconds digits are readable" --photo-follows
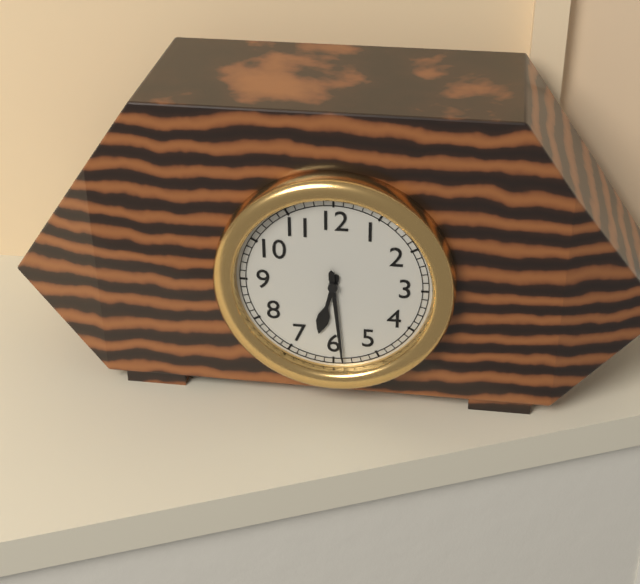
6:29
